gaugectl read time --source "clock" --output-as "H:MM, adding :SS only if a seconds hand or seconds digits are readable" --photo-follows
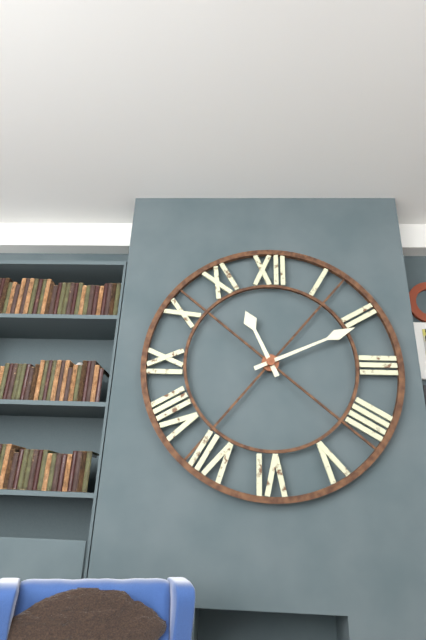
11:11
